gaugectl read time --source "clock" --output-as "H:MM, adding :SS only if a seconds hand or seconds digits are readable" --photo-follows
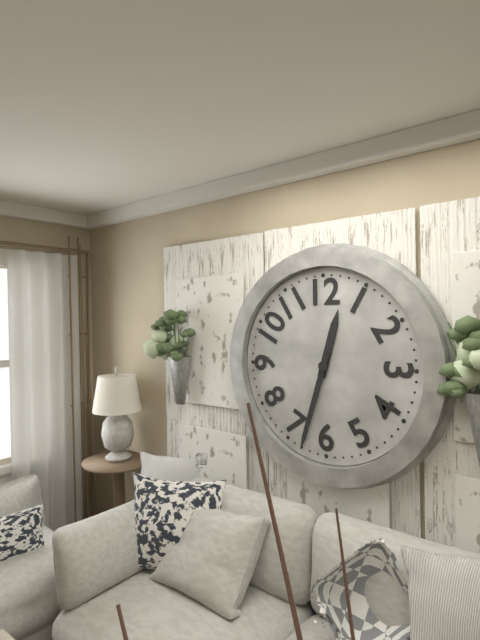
12:33
